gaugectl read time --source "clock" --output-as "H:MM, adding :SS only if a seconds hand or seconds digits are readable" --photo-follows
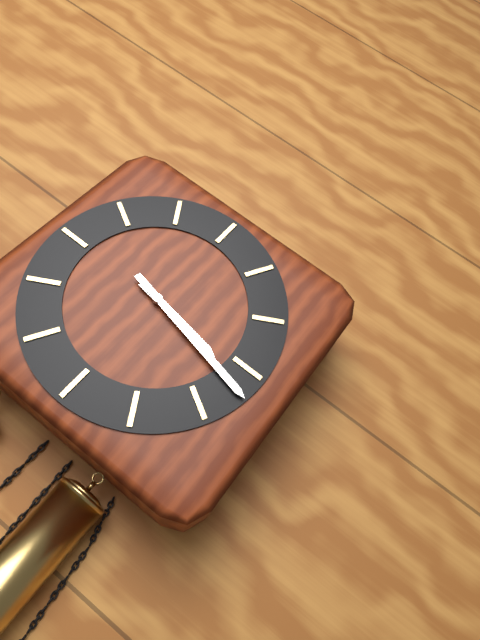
3:17
